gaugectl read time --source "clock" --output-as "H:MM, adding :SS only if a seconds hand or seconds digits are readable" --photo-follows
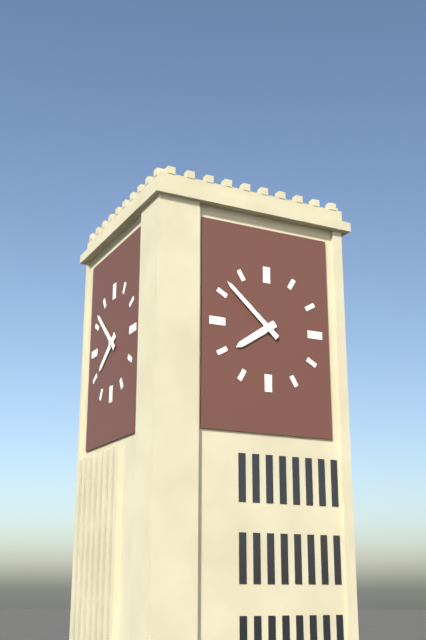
7:52
